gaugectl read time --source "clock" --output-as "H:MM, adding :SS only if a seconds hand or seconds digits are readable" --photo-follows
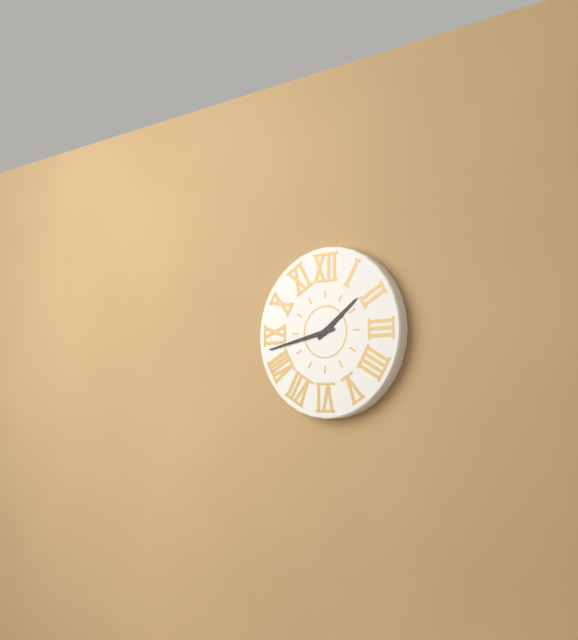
1:43
